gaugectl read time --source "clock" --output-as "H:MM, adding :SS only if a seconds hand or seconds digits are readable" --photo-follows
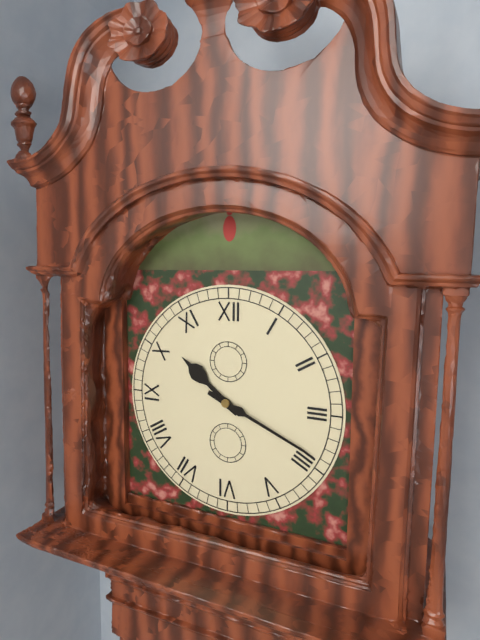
10:19
